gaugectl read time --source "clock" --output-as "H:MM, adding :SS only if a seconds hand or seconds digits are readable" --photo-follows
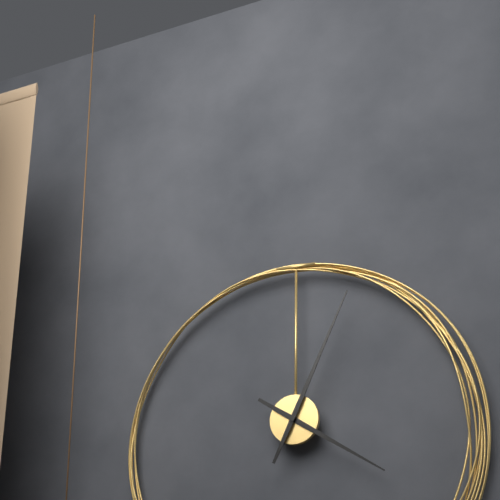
4:04
